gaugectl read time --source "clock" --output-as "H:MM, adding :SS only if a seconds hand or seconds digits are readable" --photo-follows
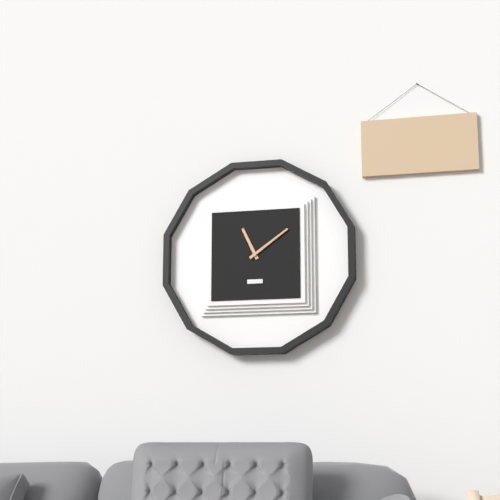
11:09
